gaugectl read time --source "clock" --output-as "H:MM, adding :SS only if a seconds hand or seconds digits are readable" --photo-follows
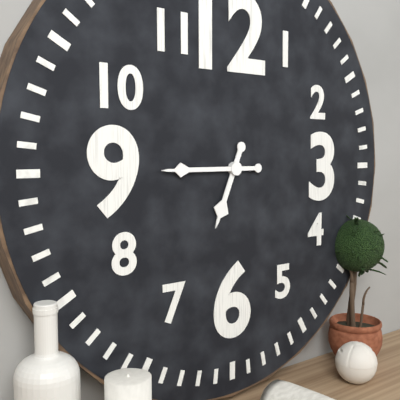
6:45
